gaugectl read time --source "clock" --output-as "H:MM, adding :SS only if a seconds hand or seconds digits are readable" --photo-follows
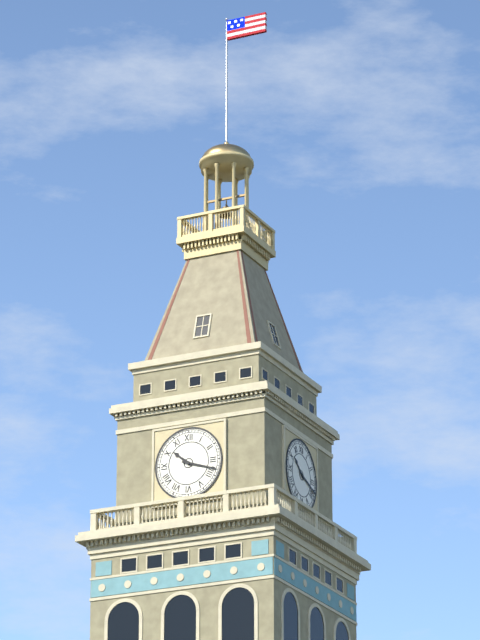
10:18
